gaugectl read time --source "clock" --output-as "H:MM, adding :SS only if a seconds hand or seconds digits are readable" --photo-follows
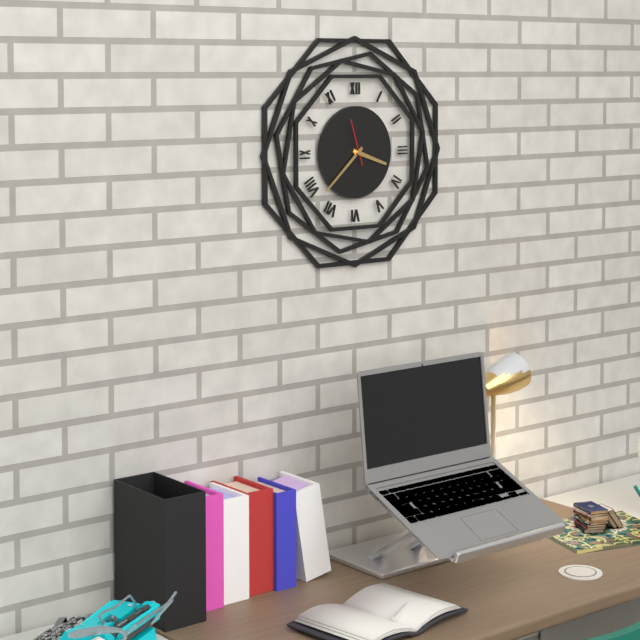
3:38
